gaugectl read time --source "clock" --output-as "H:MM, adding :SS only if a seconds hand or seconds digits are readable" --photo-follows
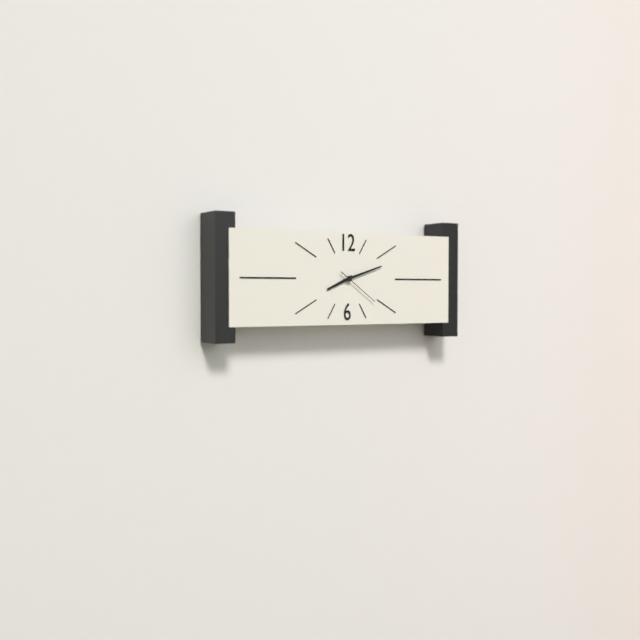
8:12
